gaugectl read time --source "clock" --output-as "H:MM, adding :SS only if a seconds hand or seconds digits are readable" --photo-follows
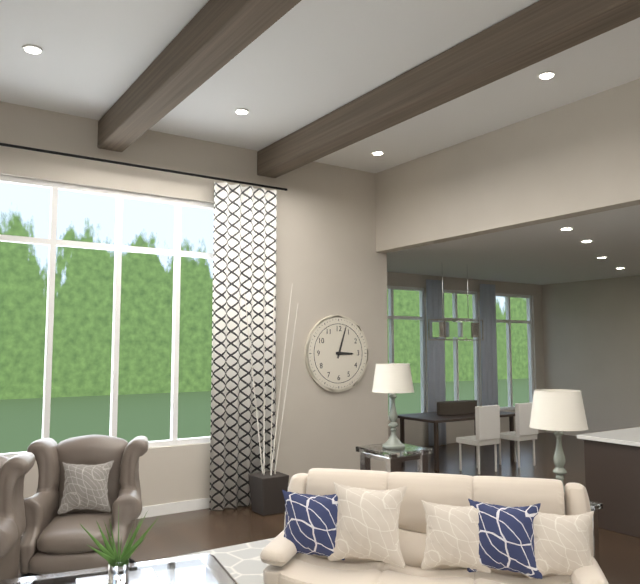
3:03
